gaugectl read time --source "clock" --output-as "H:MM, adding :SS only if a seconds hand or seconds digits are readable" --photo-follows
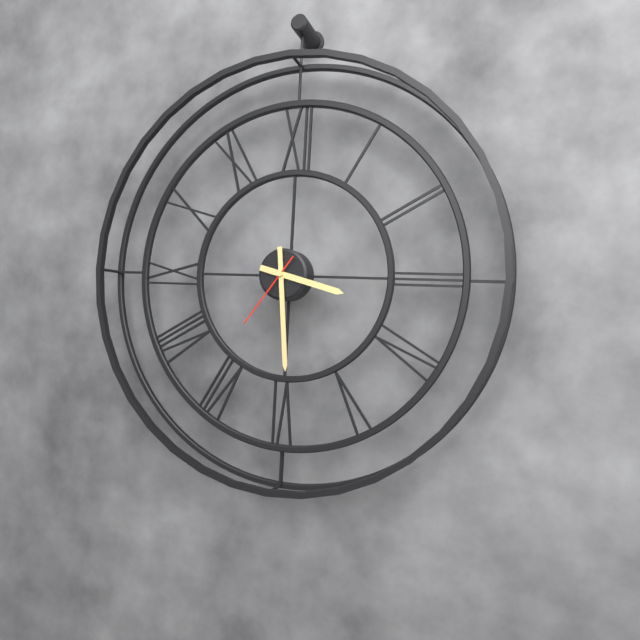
3:29:36
